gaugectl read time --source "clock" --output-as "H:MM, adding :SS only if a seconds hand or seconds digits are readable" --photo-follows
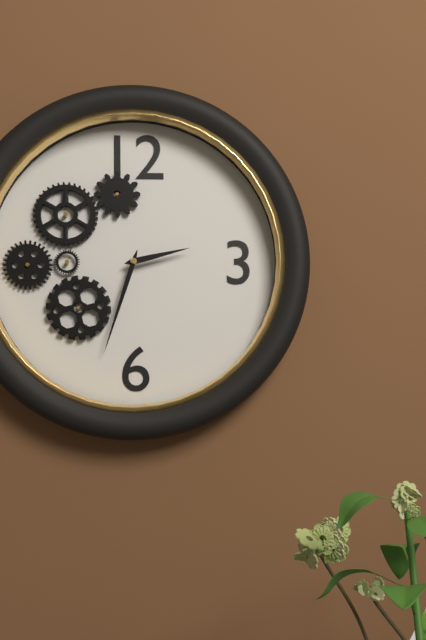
2:33
